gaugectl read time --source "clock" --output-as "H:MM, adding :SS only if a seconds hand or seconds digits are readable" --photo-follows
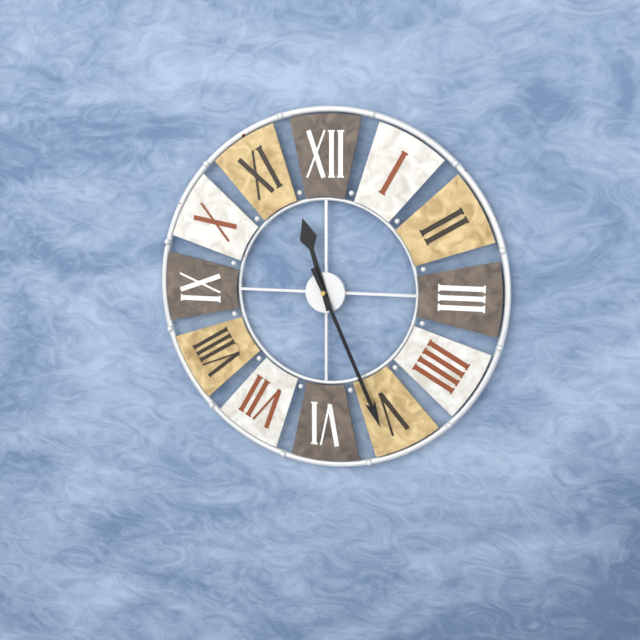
11:26
